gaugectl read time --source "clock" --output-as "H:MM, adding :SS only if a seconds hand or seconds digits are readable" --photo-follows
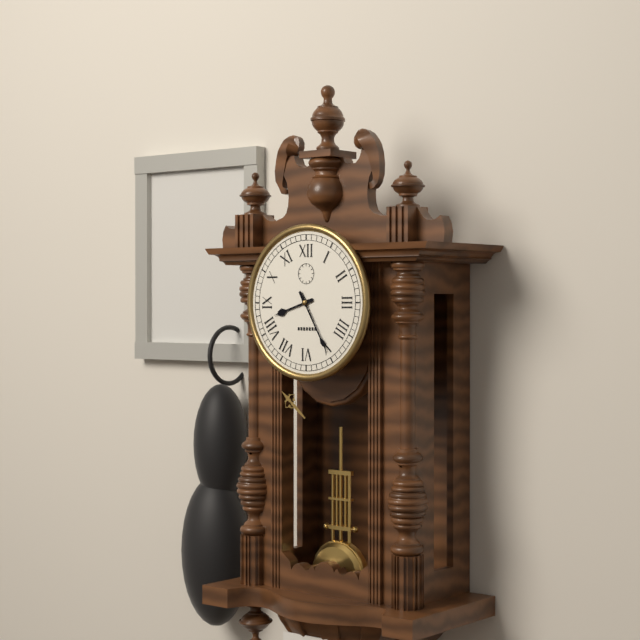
8:25
